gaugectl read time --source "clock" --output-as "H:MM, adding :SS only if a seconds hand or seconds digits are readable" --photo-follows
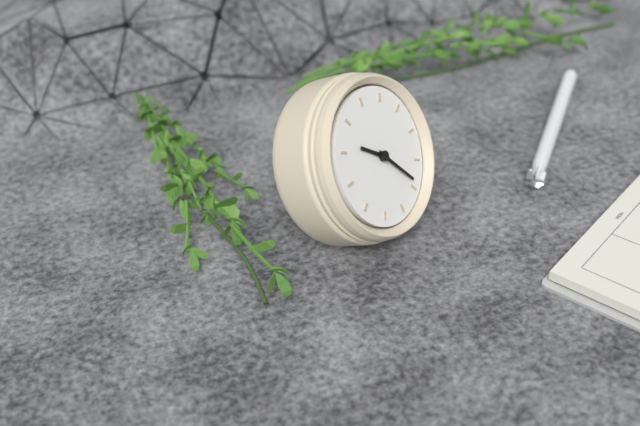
9:19
